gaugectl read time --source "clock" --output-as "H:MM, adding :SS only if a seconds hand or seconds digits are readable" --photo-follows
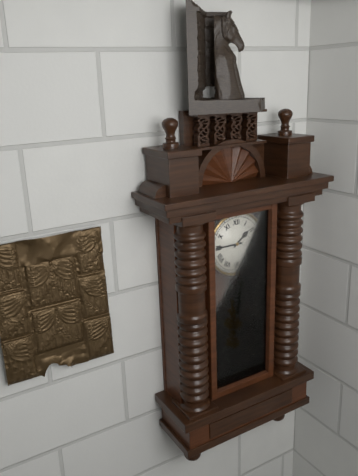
1:45
